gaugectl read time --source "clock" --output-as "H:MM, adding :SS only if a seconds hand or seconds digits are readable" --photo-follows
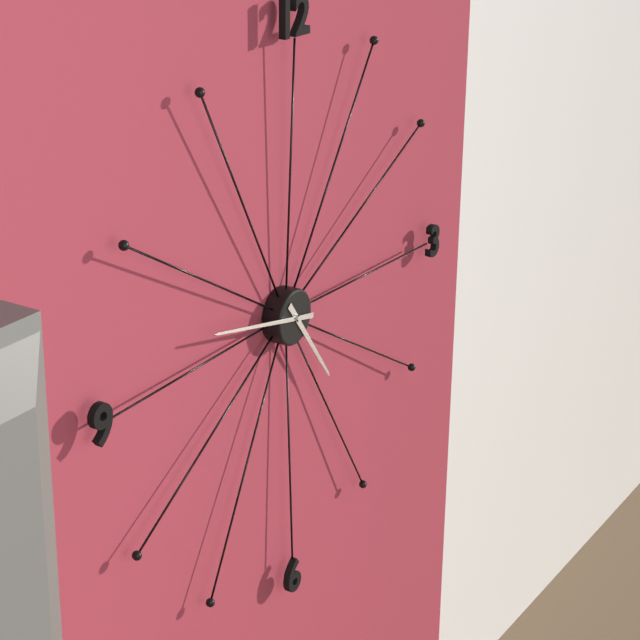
4:47
